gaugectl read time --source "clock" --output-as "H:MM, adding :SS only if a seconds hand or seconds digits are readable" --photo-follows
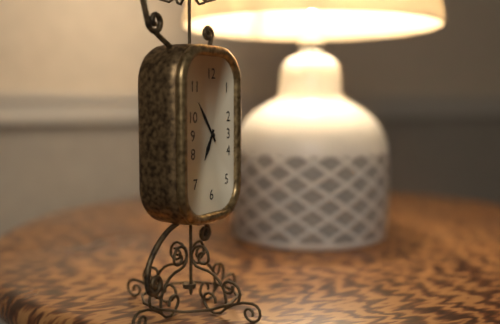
6:54
